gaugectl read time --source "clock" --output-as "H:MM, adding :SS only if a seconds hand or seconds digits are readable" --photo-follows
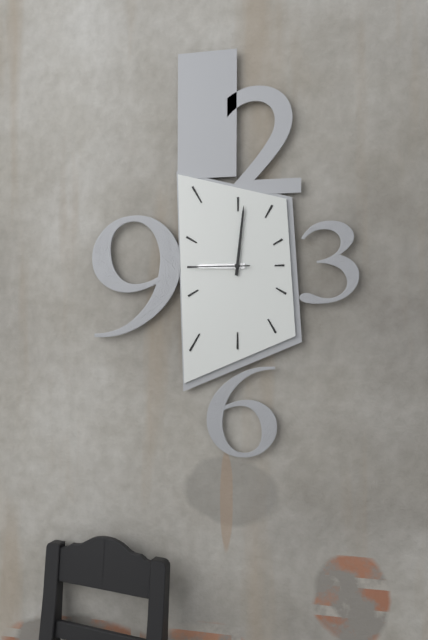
9:01:45
